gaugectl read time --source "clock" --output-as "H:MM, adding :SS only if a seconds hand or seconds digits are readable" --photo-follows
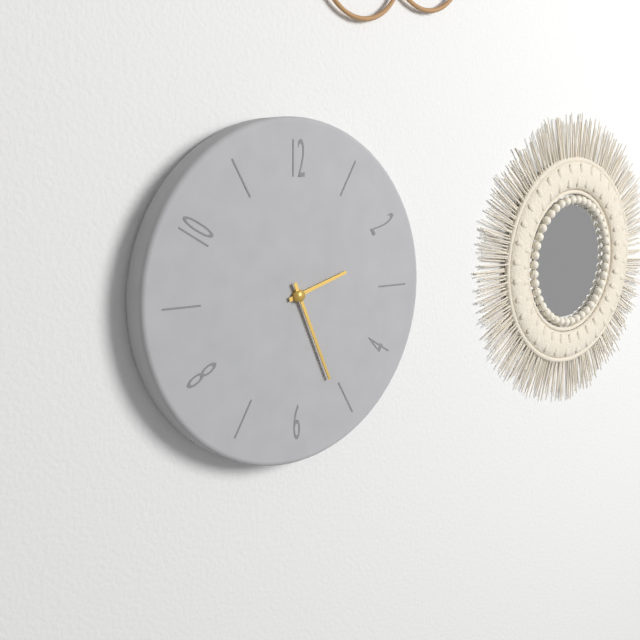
2:26
